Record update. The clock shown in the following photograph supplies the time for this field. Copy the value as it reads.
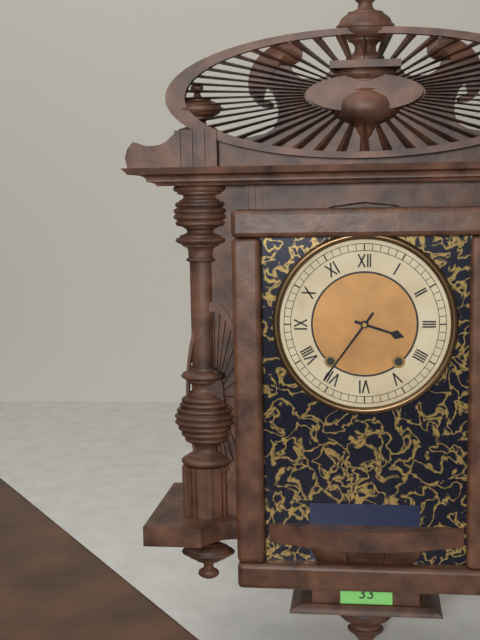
3:36
